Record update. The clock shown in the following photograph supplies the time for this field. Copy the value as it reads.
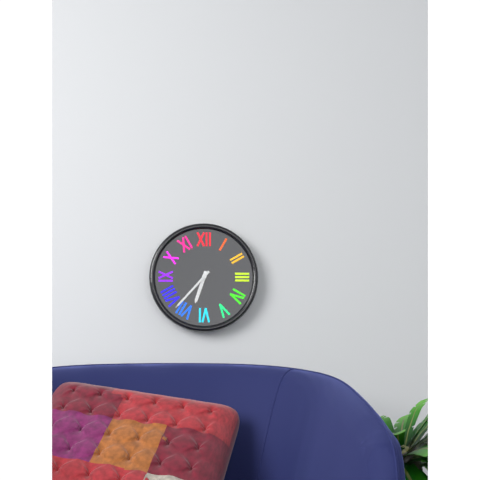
6:37
